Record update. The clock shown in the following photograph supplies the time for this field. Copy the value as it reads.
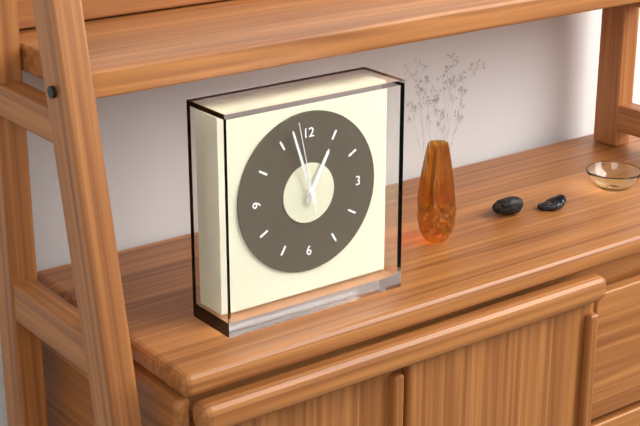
12:57:58
